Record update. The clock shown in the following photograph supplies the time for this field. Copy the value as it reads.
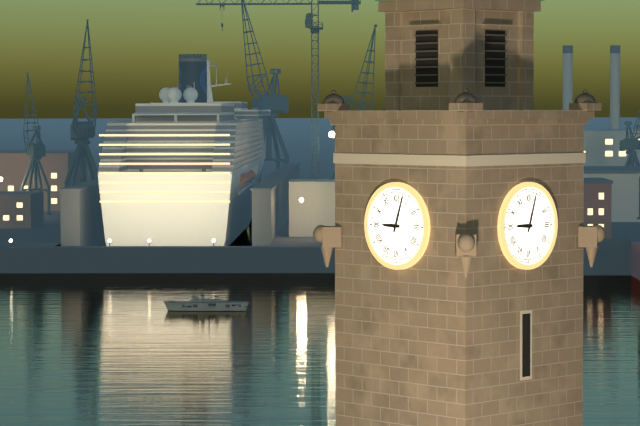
9:03
